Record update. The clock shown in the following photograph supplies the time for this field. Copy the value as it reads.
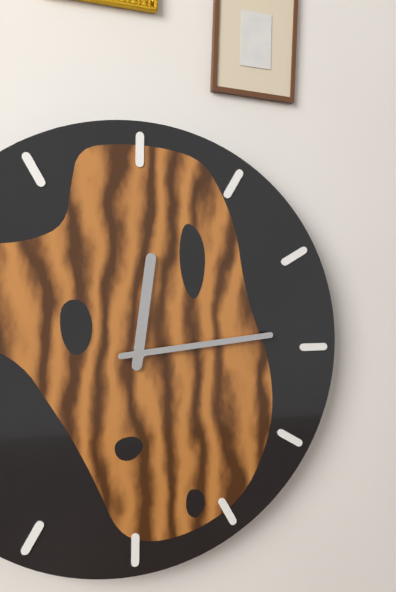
12:14
